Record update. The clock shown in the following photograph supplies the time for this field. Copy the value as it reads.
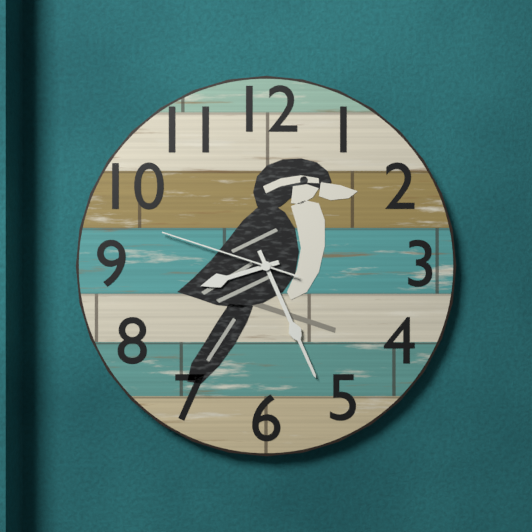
8:26:48
